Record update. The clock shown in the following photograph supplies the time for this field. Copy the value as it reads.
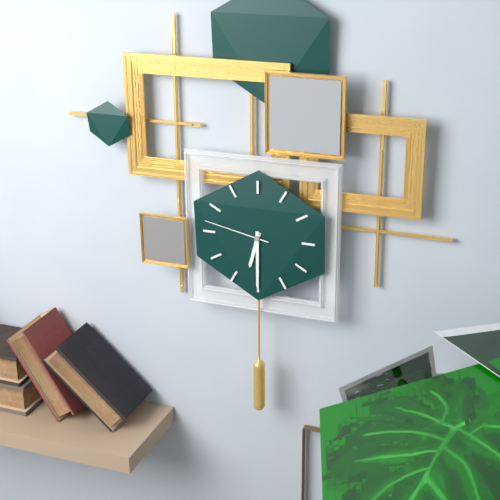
6:30:47
